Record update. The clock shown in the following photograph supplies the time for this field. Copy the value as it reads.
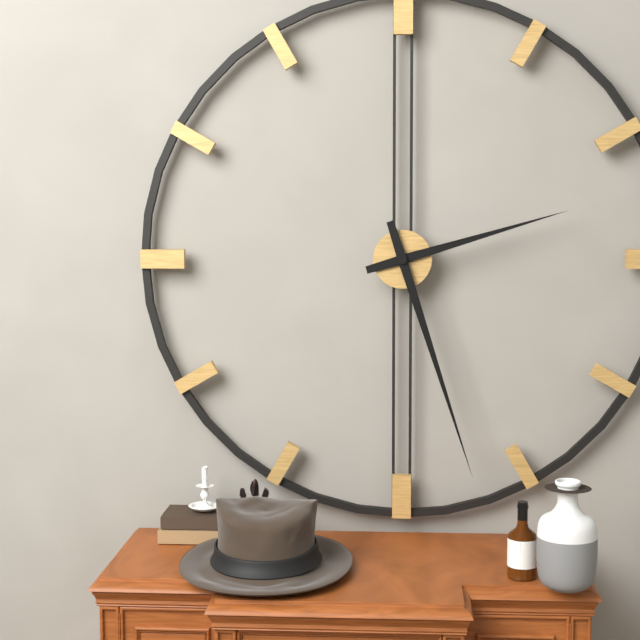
2:27
